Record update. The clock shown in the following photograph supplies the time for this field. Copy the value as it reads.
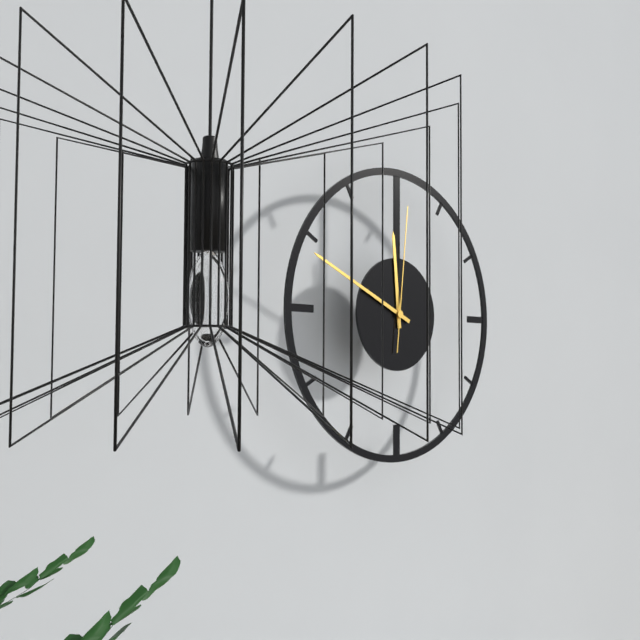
11:49:01
